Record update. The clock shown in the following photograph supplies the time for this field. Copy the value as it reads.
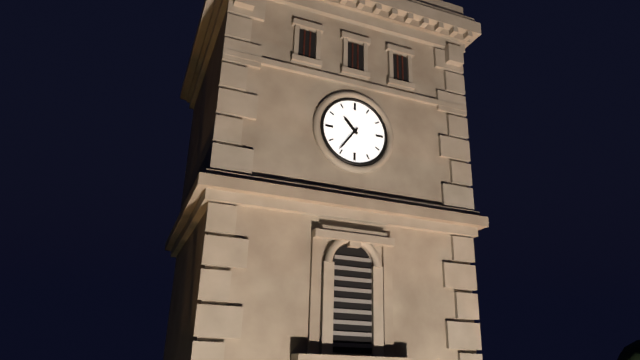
10:36
